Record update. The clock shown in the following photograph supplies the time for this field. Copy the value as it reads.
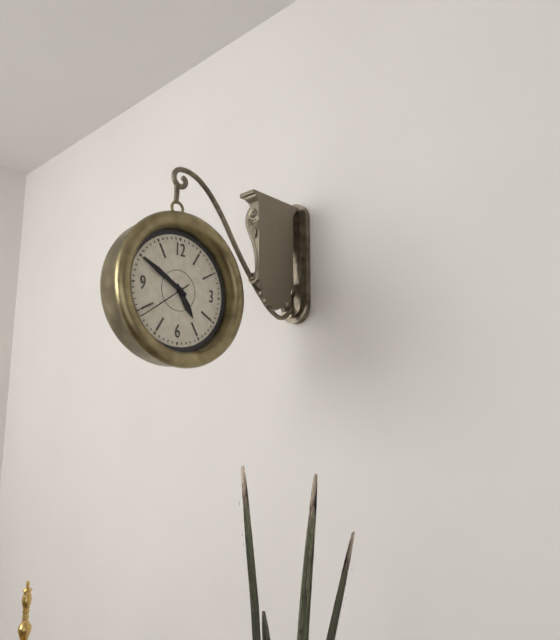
4:50:39
